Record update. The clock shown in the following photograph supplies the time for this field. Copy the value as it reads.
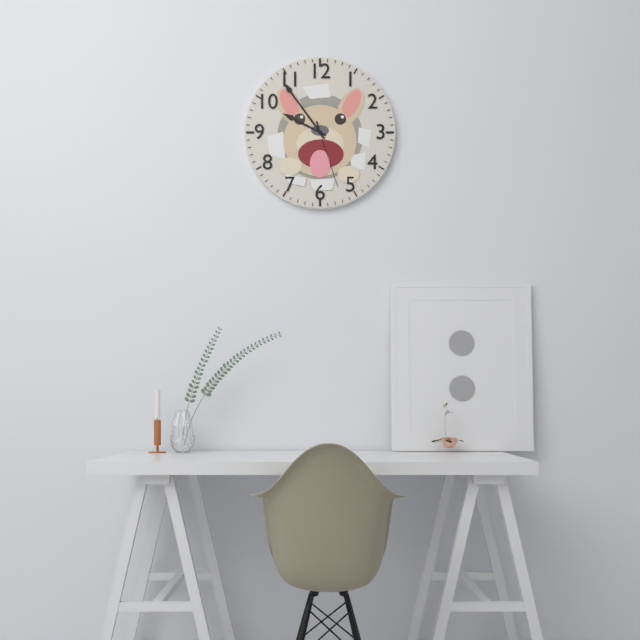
9:54:27
